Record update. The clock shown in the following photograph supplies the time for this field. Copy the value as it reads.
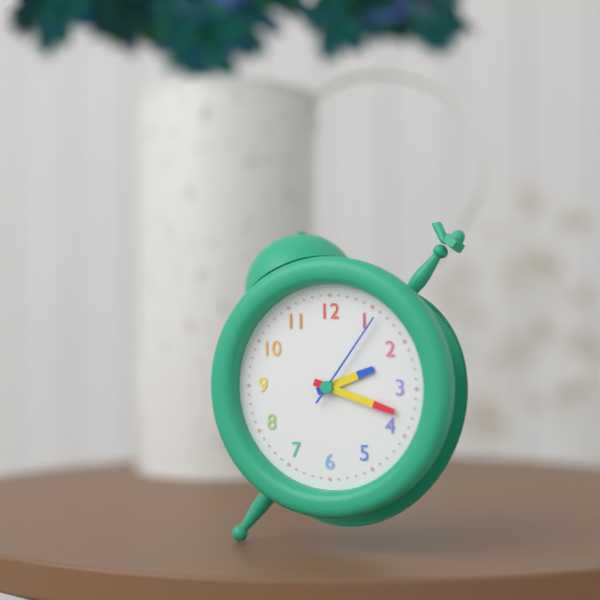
2:18:06
